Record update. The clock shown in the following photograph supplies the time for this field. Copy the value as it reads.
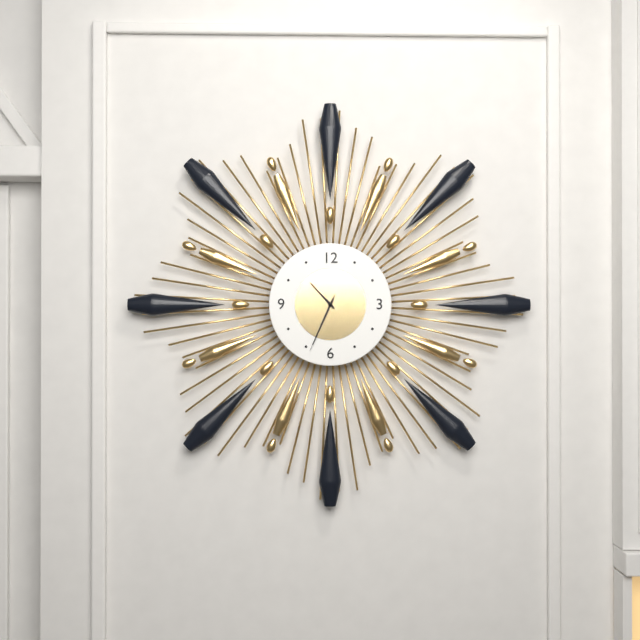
10:34:34
